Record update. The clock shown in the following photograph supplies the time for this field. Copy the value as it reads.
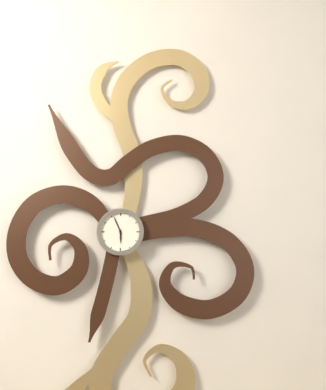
5:56
